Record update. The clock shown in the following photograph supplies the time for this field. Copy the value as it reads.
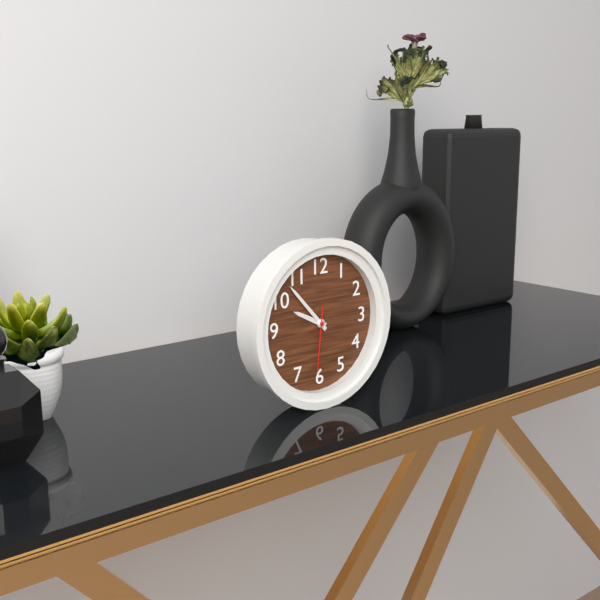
9:53:31
